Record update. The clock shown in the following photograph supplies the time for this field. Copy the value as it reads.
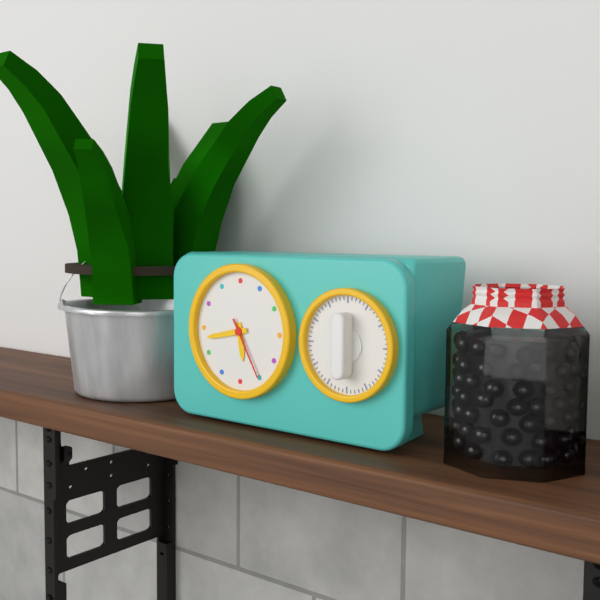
5:43:25
